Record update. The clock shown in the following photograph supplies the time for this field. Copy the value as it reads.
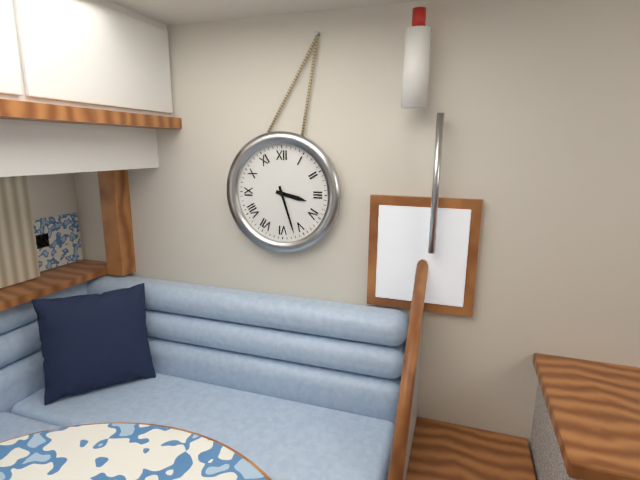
3:27
